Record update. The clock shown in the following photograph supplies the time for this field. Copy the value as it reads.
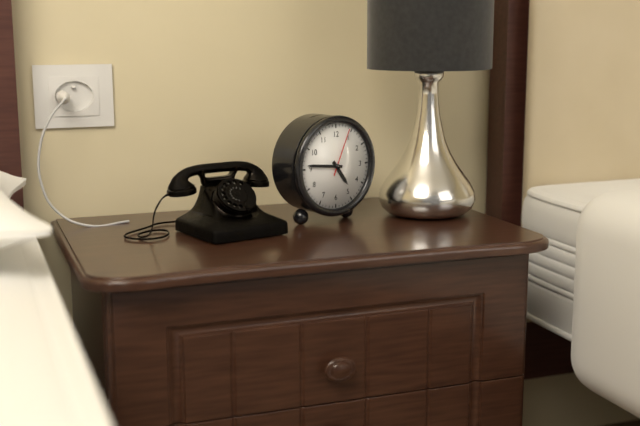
4:46
